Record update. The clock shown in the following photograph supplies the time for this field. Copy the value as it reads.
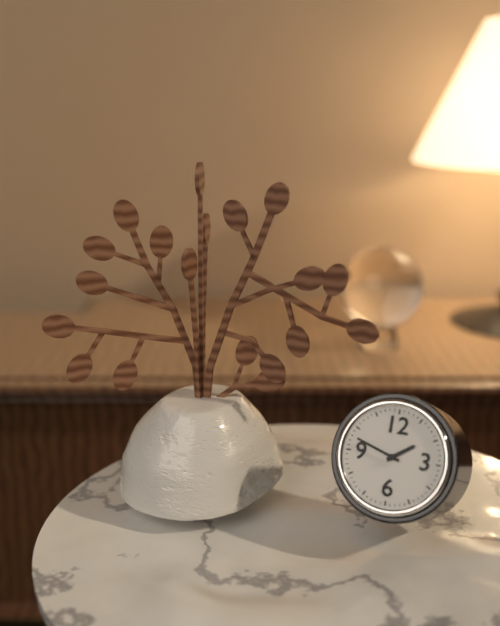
1:48
